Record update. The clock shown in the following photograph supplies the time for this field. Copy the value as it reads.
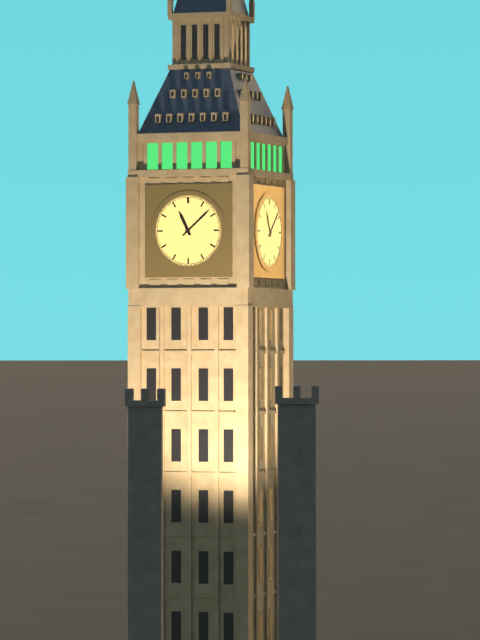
11:08
